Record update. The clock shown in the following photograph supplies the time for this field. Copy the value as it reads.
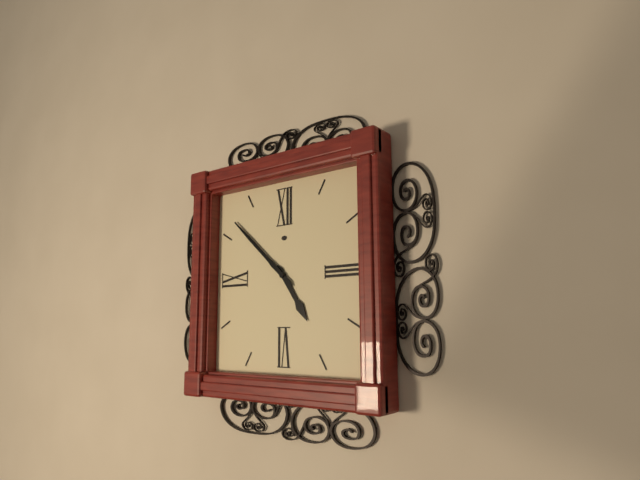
4:52
